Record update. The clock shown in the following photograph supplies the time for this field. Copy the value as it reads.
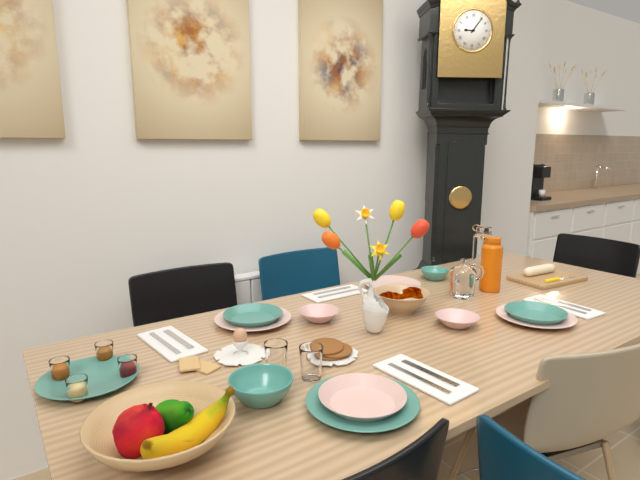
9:06
